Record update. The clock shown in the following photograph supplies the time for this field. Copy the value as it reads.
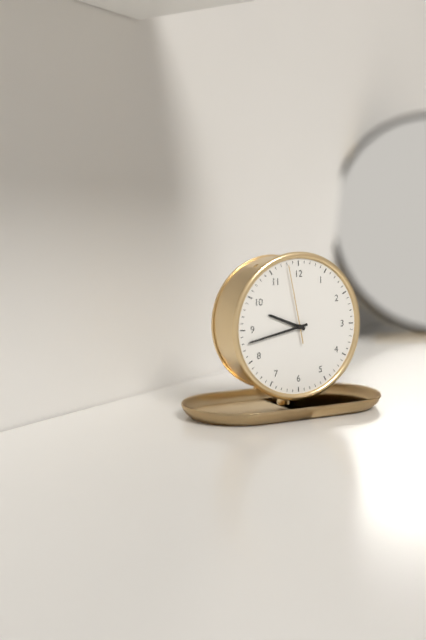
9:43:58
